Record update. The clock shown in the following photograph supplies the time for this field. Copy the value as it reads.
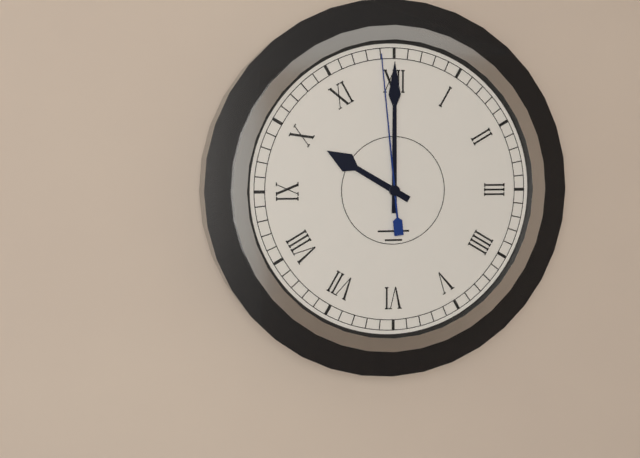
10:00:59
